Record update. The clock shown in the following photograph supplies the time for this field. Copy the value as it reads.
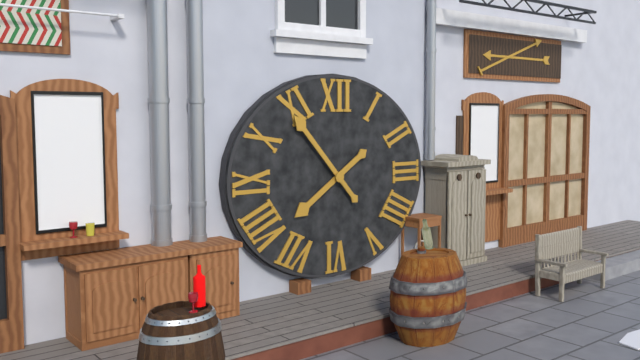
7:53
